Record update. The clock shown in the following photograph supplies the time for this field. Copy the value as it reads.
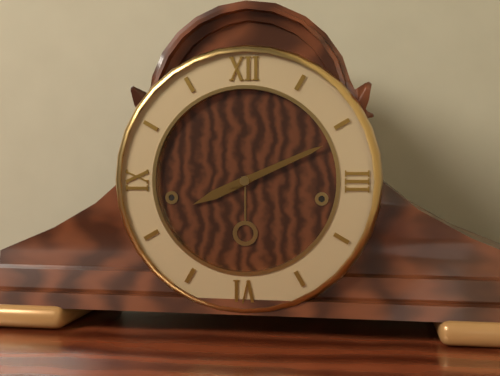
8:11
